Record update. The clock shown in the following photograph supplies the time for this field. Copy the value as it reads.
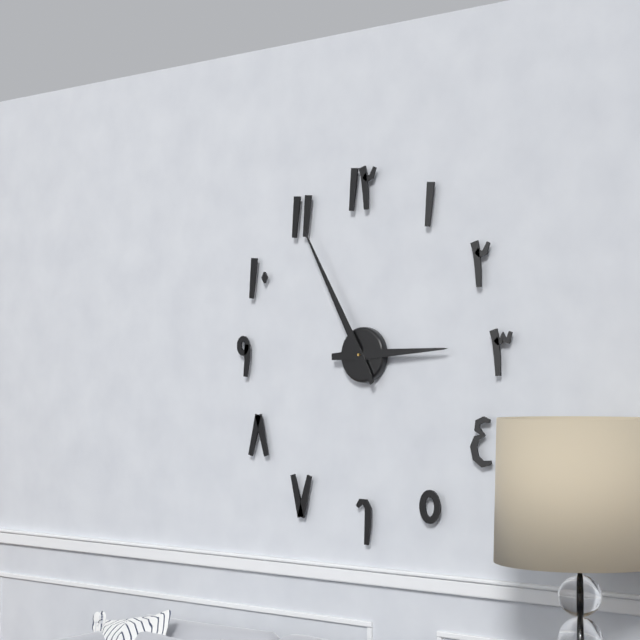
2:55
